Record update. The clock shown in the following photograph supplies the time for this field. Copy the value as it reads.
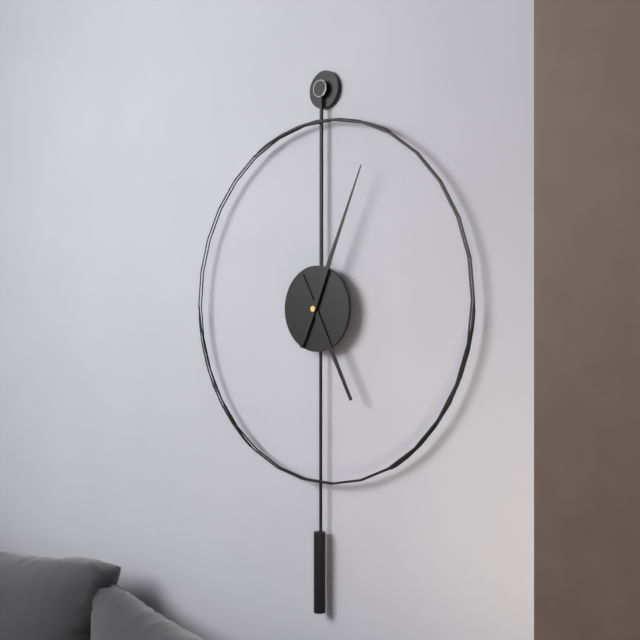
5:04
